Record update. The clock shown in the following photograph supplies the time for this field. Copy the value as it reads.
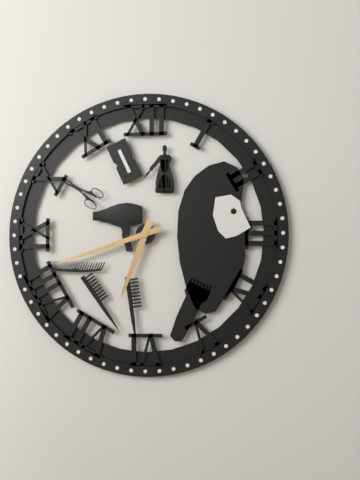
6:42
